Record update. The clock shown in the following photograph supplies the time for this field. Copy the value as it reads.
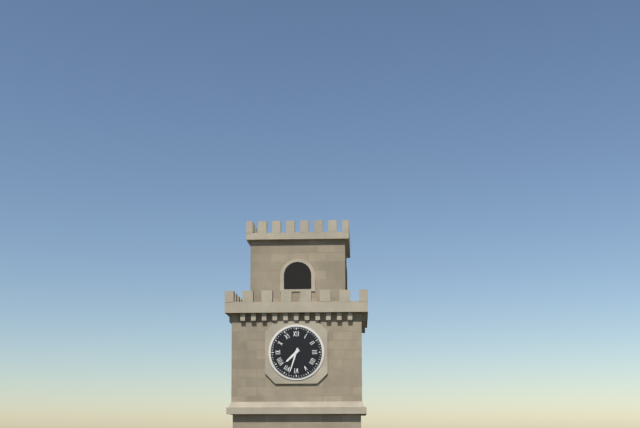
7:33
